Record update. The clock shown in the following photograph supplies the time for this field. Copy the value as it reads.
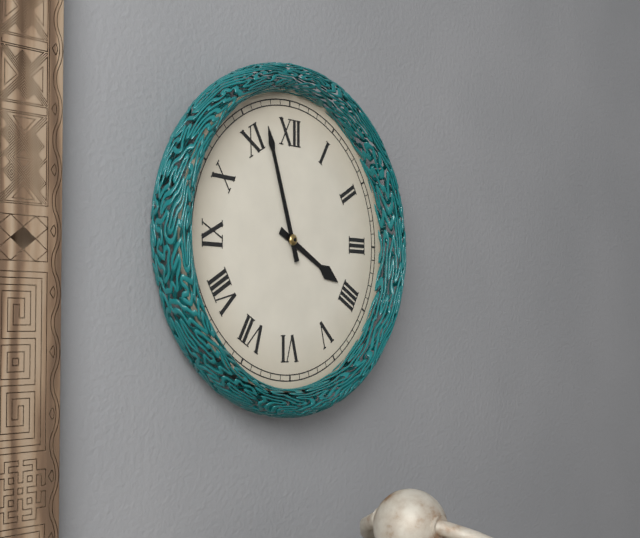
3:57
